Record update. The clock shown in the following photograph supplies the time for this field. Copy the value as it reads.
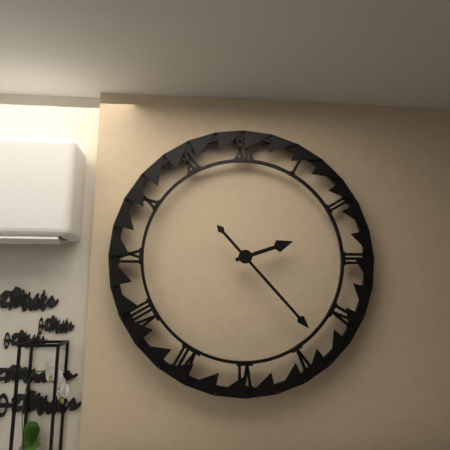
2:23
